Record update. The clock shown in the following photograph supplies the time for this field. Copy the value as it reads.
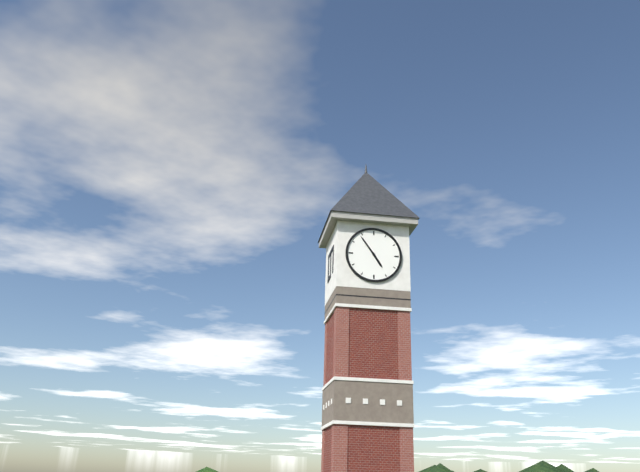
4:54
